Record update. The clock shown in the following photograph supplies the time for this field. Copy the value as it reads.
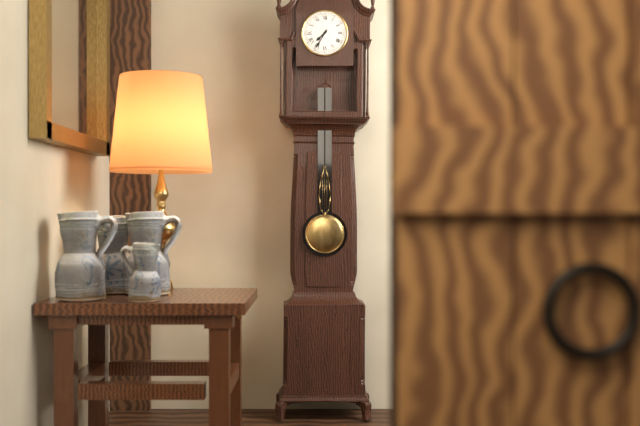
7:35
